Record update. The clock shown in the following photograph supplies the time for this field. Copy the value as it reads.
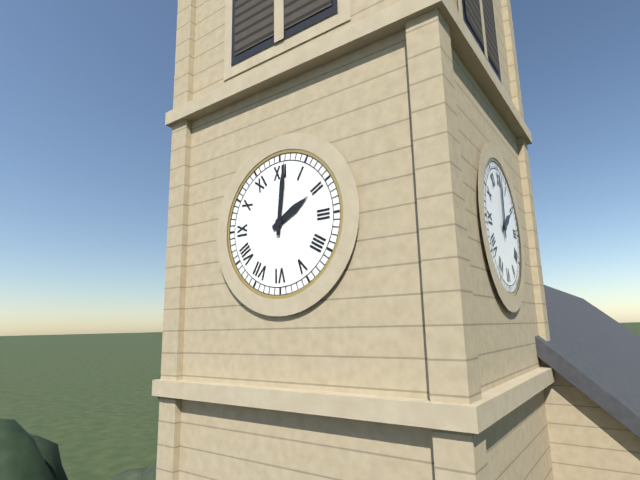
2:01
